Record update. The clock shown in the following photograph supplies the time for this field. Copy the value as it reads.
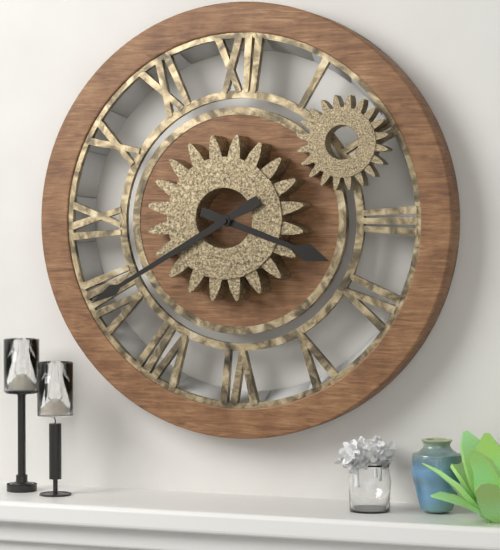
3:40
